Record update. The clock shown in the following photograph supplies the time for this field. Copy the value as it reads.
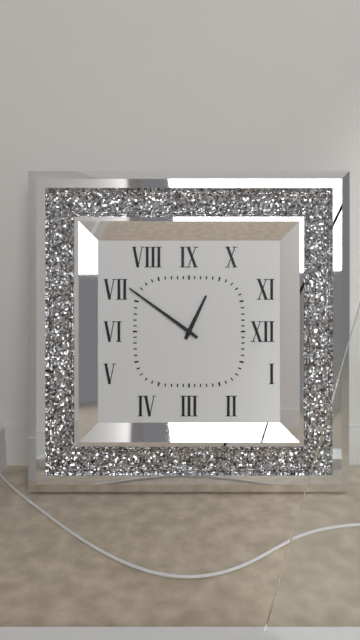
12:51
